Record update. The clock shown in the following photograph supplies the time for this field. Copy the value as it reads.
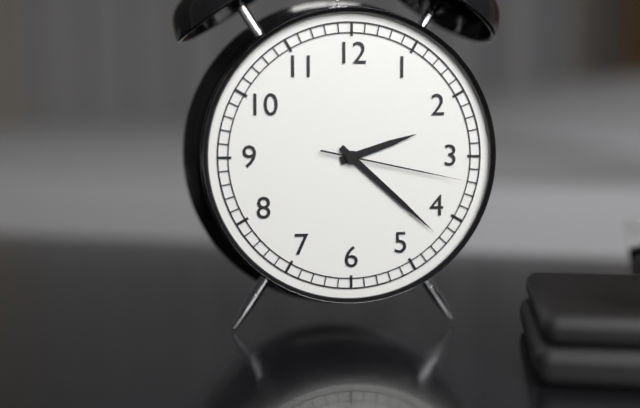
2:22:17
